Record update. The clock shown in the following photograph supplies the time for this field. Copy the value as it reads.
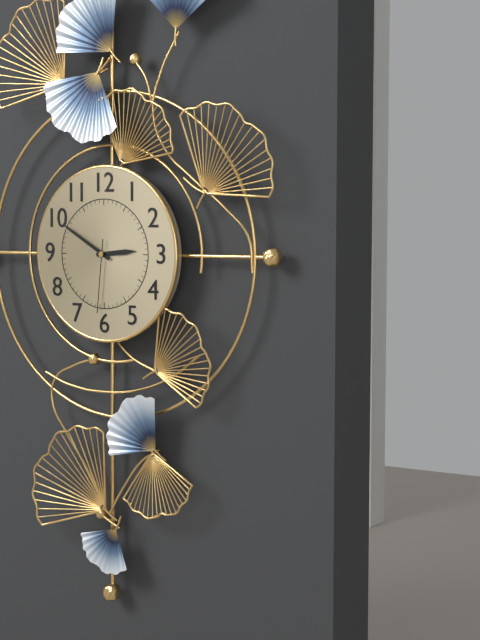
2:50:31
